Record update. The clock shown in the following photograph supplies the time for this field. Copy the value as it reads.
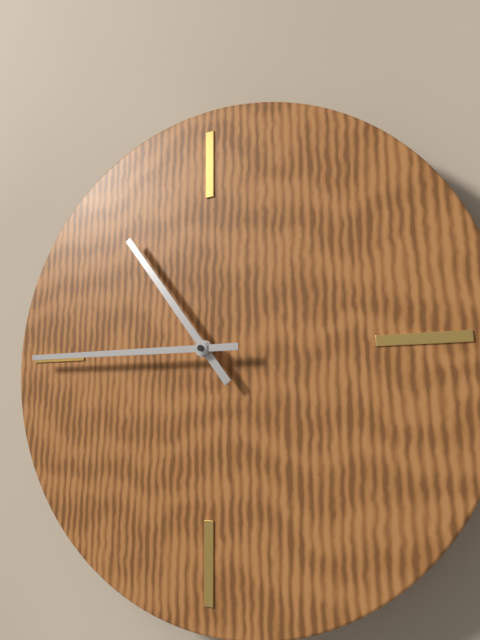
10:45
